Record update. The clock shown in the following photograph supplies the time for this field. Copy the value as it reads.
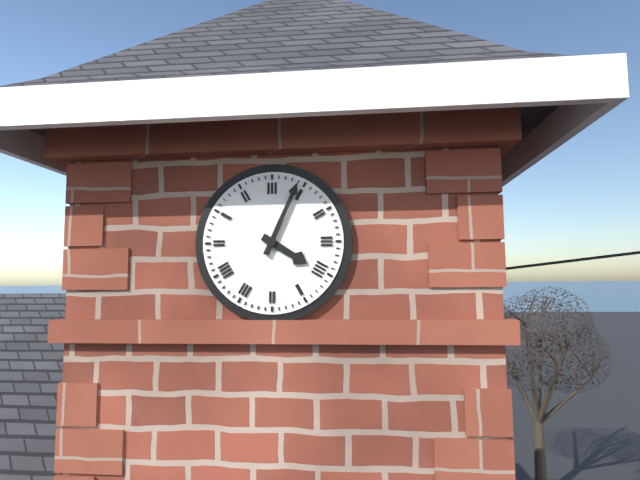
4:04
